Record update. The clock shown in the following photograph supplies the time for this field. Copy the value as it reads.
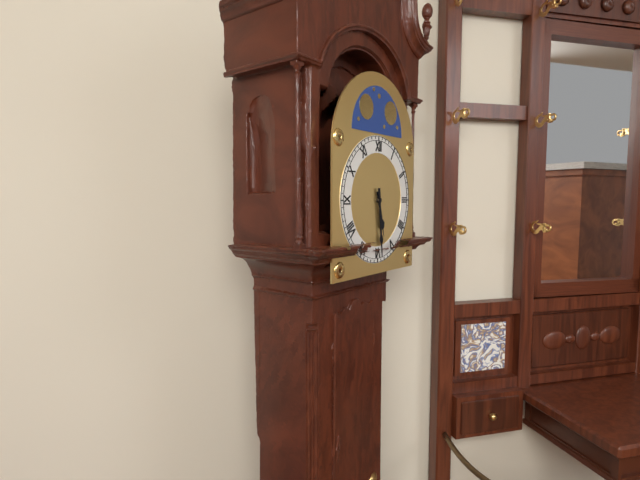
5:29
